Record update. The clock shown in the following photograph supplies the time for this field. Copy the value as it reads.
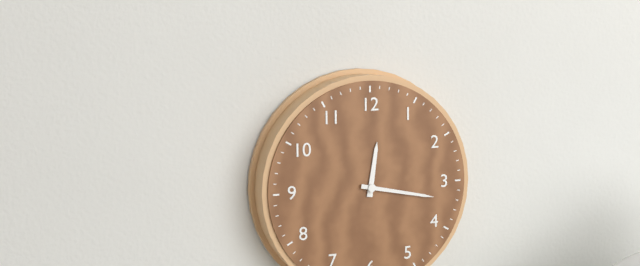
12:17
